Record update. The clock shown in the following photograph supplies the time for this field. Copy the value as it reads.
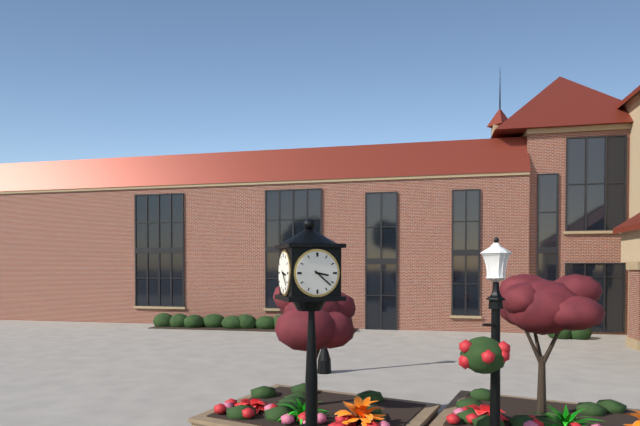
3:22
